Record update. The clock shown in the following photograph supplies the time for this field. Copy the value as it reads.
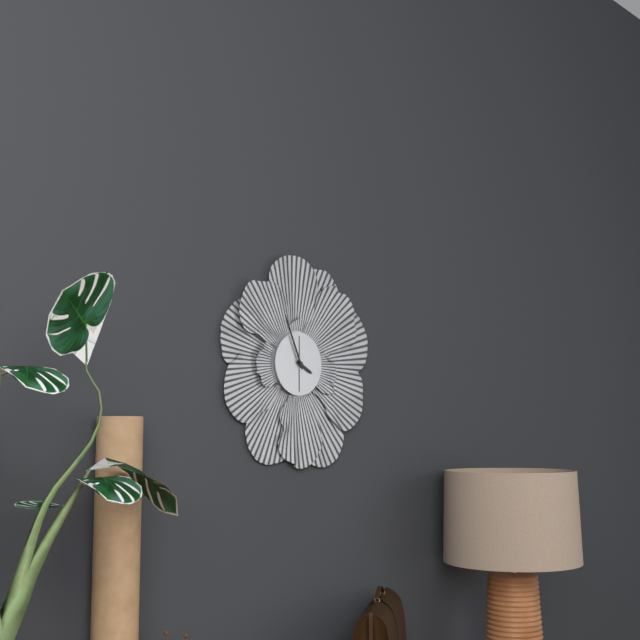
3:56
